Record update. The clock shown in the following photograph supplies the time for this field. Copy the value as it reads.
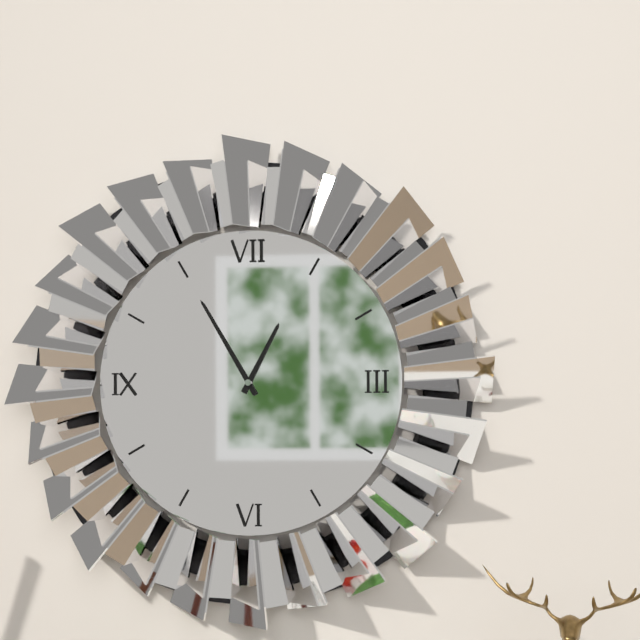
12:55
